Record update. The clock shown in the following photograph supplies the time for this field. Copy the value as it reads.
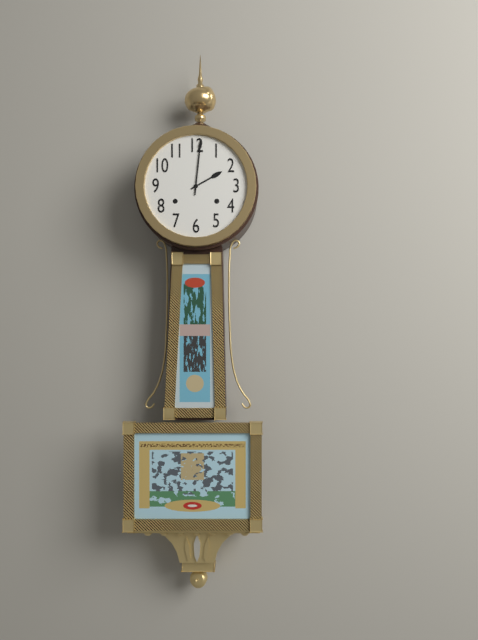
2:01
